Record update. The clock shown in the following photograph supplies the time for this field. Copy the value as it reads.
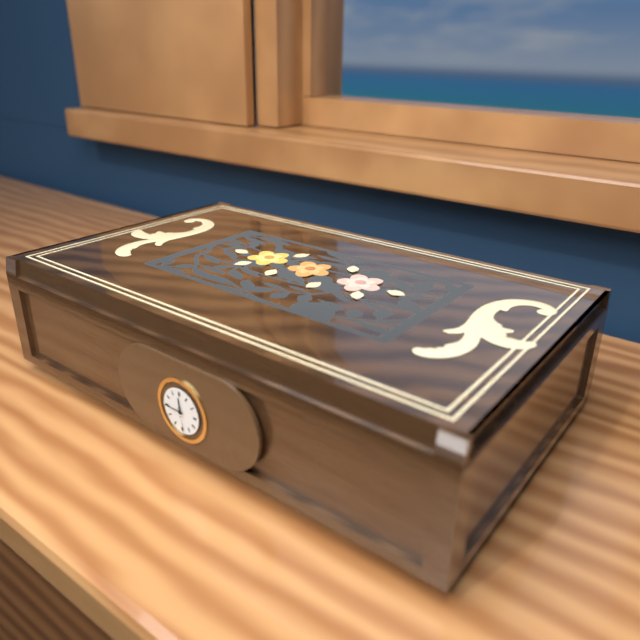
11:45:28
